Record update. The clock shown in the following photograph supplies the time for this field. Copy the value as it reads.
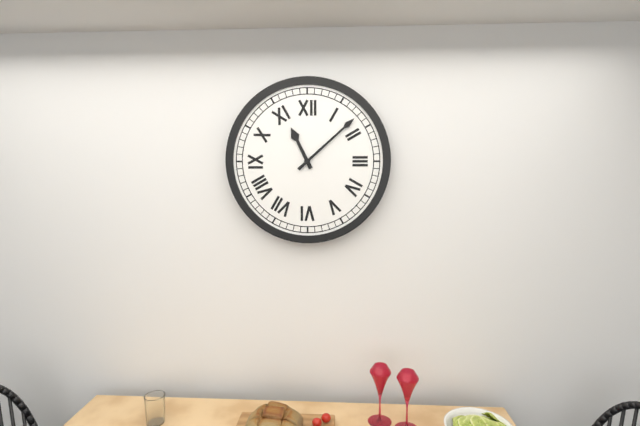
11:08
